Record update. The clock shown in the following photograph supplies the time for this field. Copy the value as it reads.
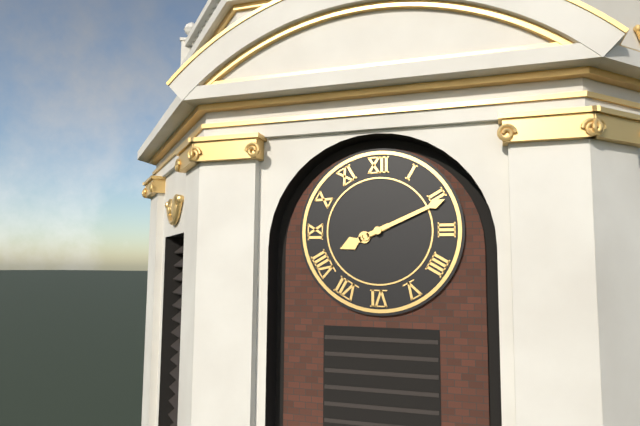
8:11
